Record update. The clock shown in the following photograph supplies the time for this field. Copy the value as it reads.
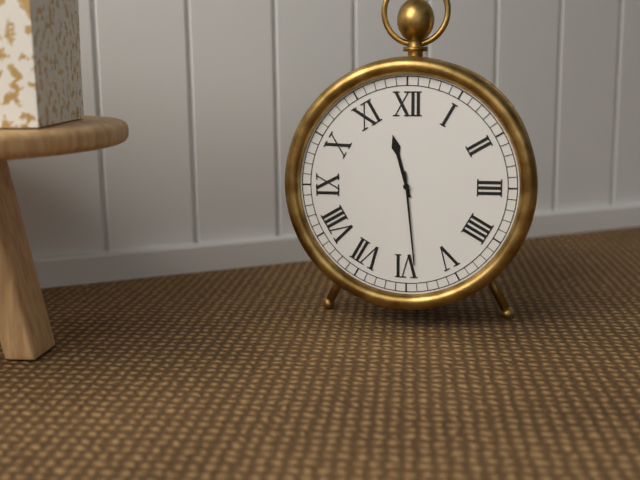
11:29
